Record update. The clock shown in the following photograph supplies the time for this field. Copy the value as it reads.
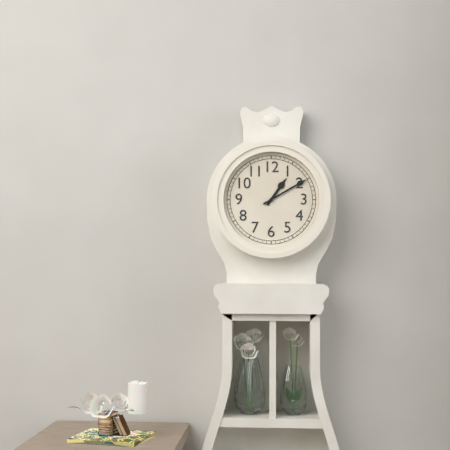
1:10
